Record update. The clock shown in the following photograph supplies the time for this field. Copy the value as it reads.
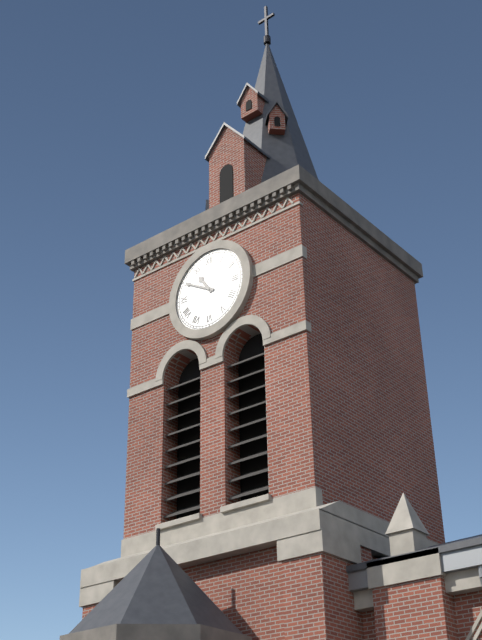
10:50
